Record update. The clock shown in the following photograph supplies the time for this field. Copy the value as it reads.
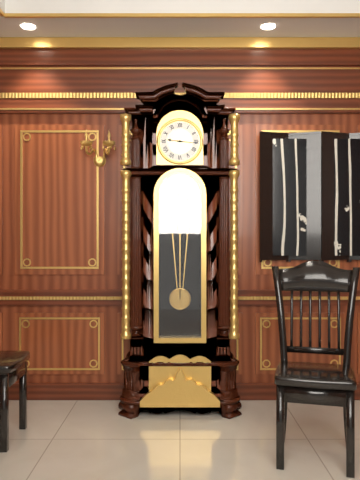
9:16
